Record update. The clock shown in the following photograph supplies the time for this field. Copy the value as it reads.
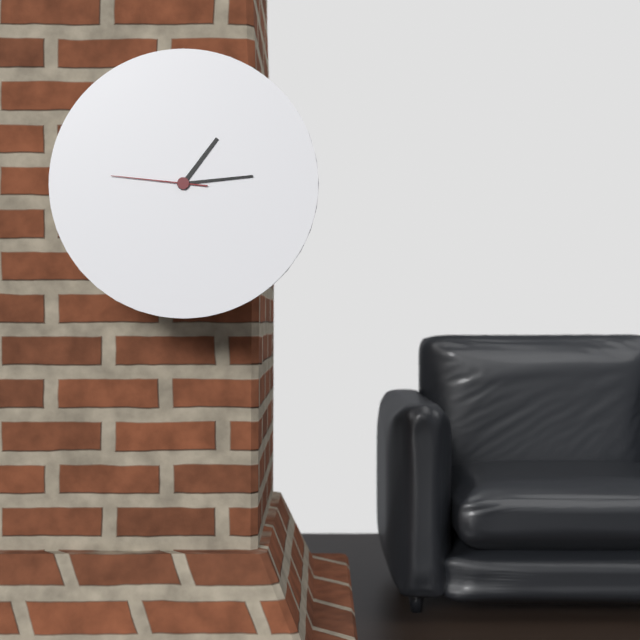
1:14:46
